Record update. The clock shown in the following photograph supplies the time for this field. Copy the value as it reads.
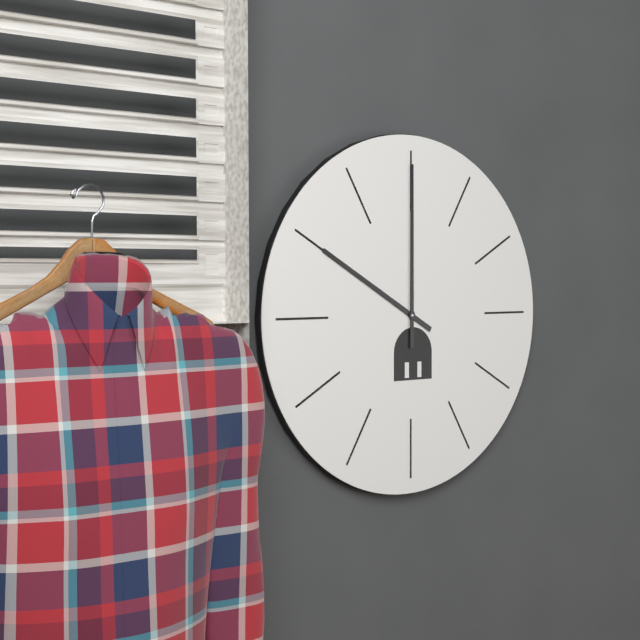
10:00
